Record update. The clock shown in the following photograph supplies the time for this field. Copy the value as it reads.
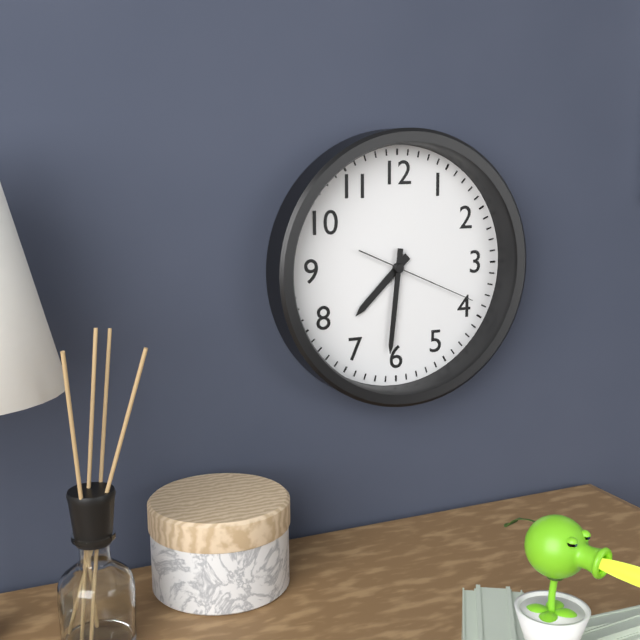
7:31:19
